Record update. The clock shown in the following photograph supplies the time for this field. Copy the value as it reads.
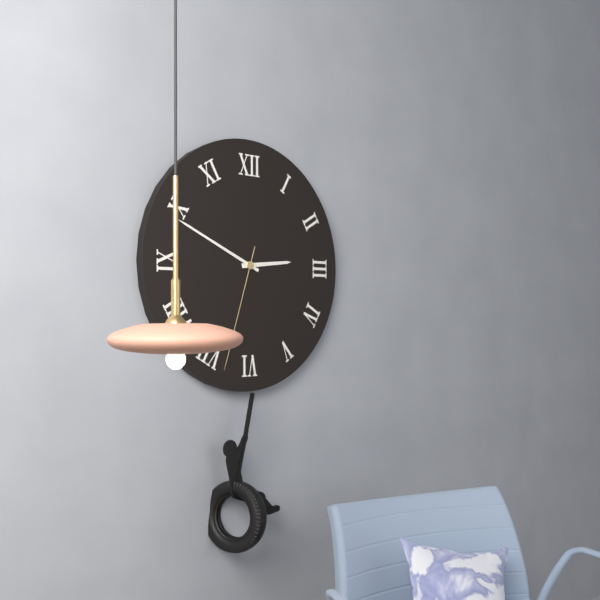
2:49:33
